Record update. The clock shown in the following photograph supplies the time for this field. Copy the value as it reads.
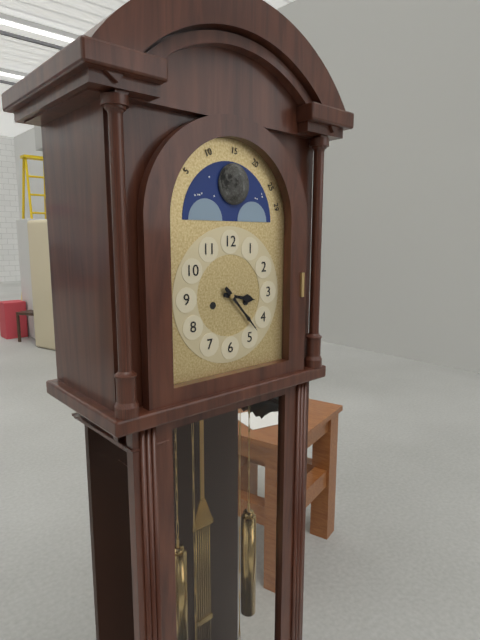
3:23
